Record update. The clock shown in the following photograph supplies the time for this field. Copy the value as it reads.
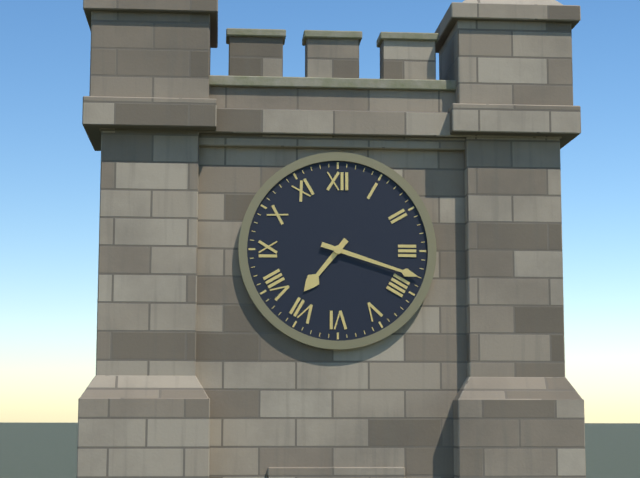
7:18
